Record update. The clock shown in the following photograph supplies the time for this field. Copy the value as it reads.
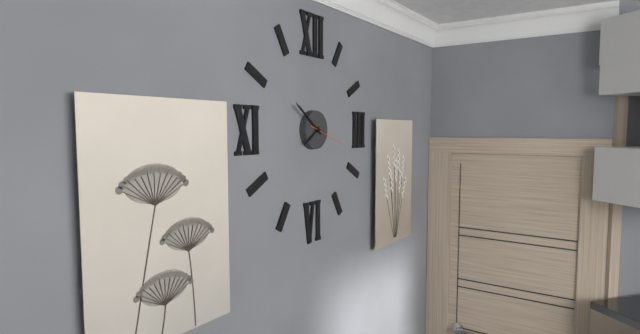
7:51
